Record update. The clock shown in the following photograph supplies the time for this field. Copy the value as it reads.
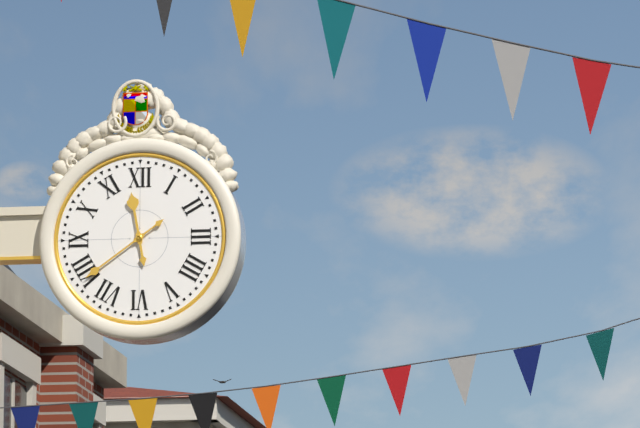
11:39
